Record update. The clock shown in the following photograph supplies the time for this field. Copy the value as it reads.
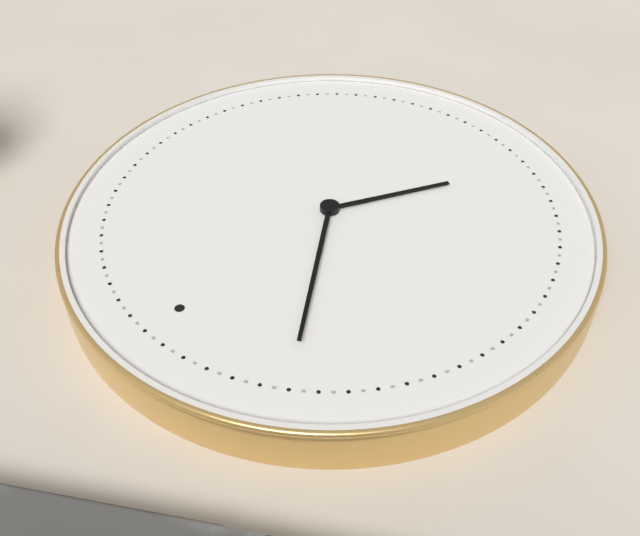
6:54
